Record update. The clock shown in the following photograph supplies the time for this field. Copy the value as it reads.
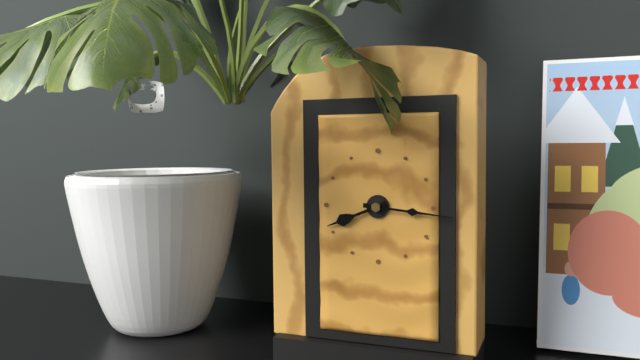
8:16
